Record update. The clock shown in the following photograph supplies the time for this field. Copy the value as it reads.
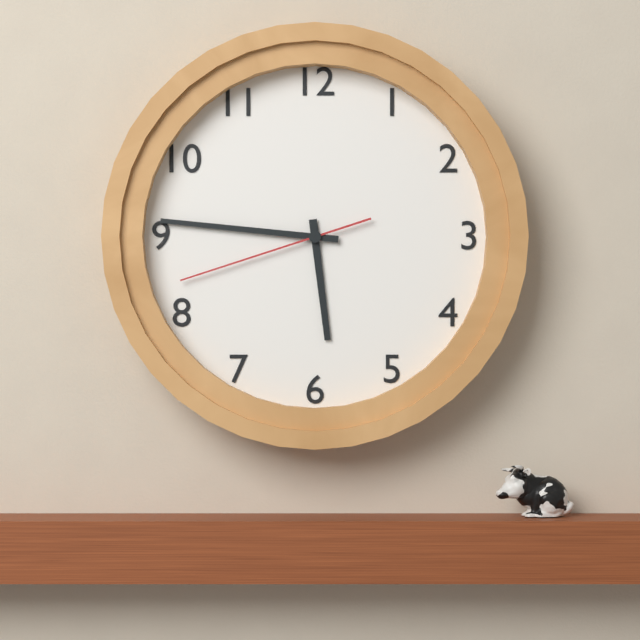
5:46:42
